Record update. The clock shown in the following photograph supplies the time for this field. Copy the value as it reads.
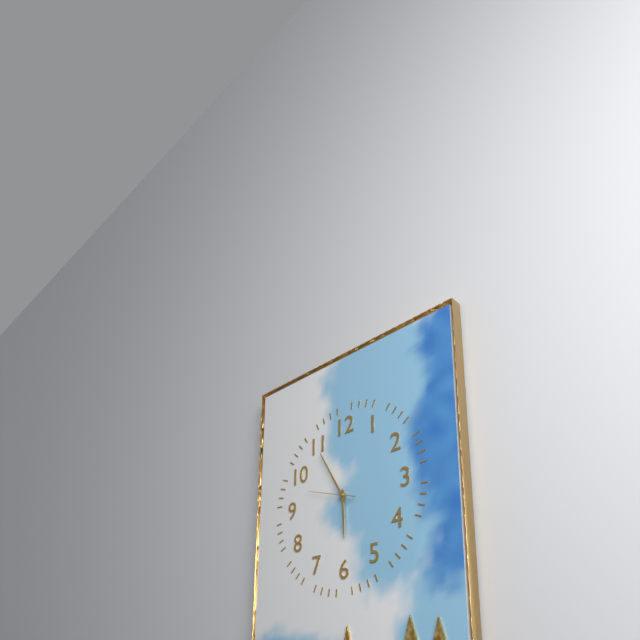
5:55
